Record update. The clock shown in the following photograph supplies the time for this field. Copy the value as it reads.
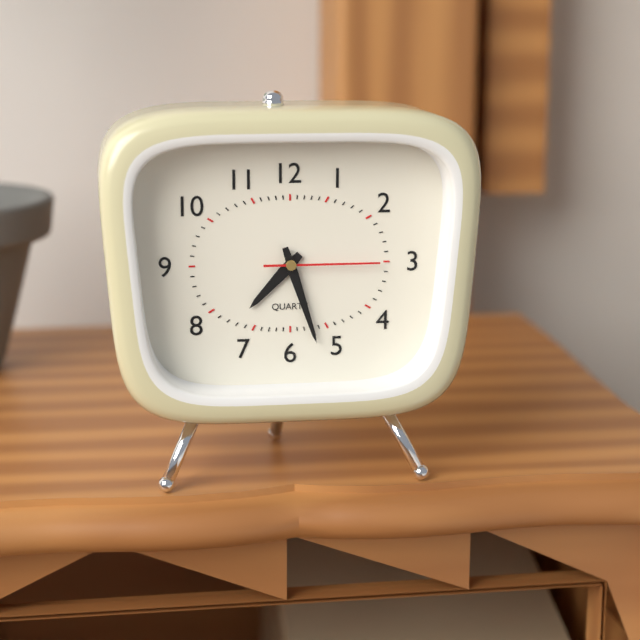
7:27:15
